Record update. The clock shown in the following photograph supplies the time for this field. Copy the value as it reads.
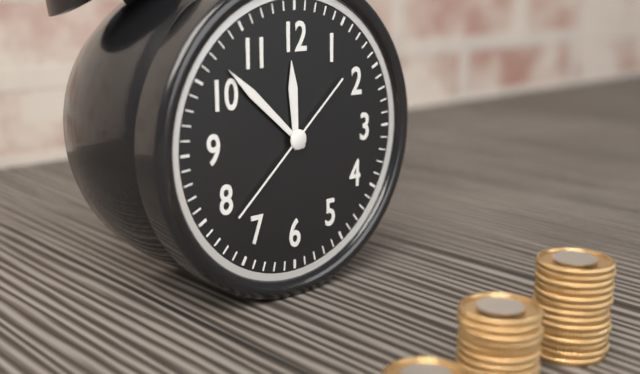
11:52:38
